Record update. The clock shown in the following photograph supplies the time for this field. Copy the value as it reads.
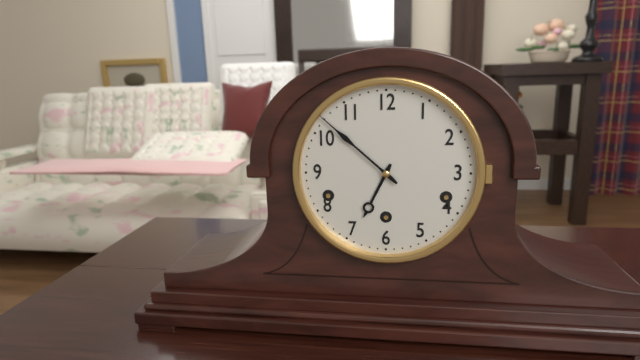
6:52
